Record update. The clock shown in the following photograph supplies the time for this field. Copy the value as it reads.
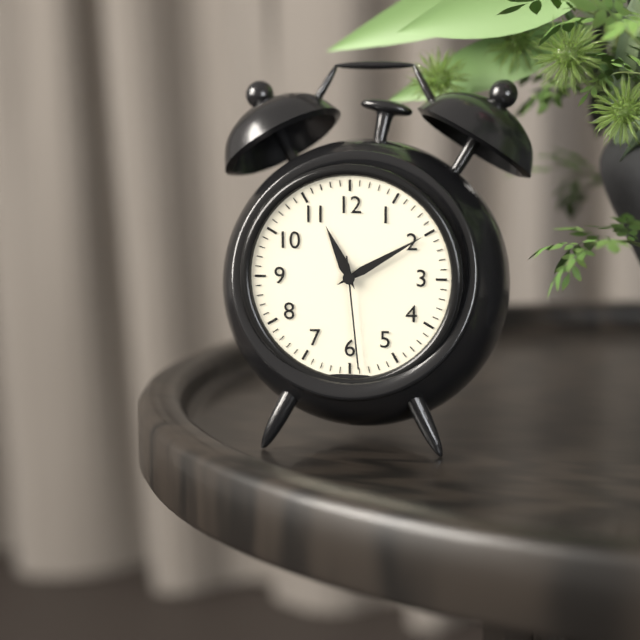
11:10:29
